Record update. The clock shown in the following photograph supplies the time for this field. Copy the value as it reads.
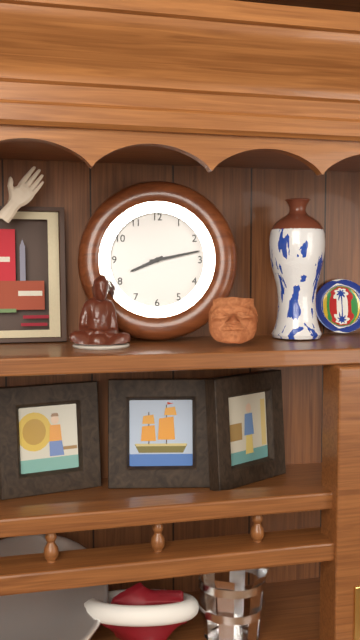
8:13
